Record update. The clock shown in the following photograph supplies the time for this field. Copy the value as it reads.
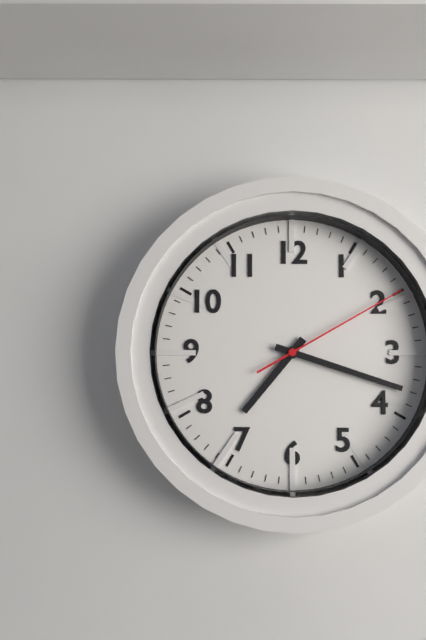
7:18:10
